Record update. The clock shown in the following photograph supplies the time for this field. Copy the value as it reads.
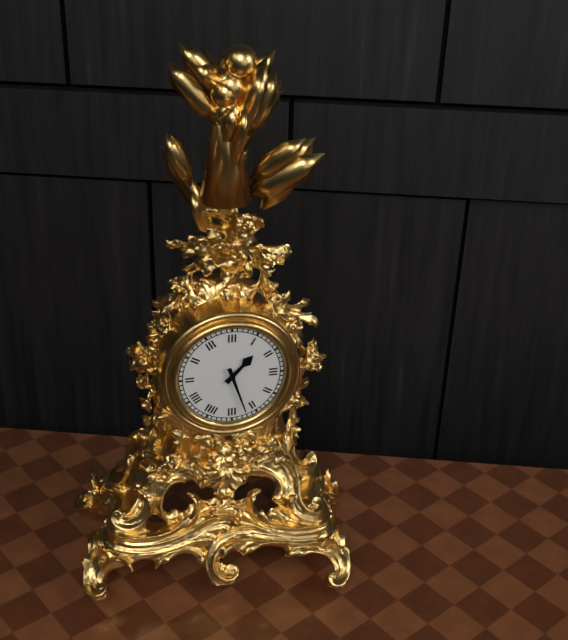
1:27
